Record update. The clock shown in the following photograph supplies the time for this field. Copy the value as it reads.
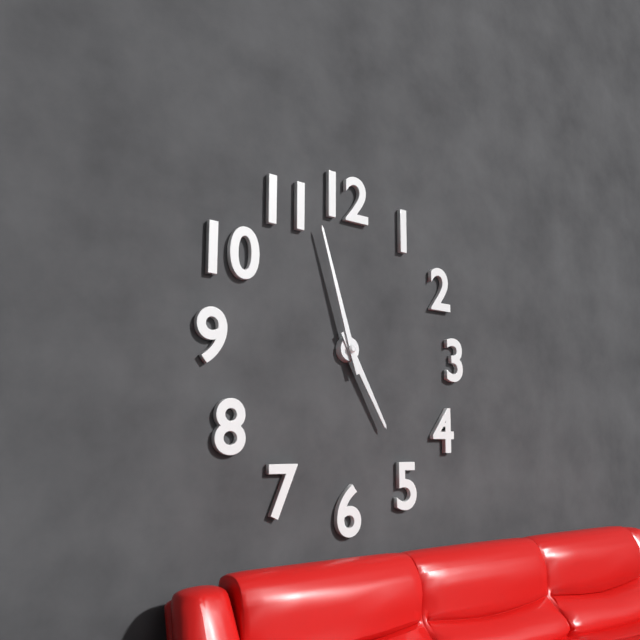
4:57
